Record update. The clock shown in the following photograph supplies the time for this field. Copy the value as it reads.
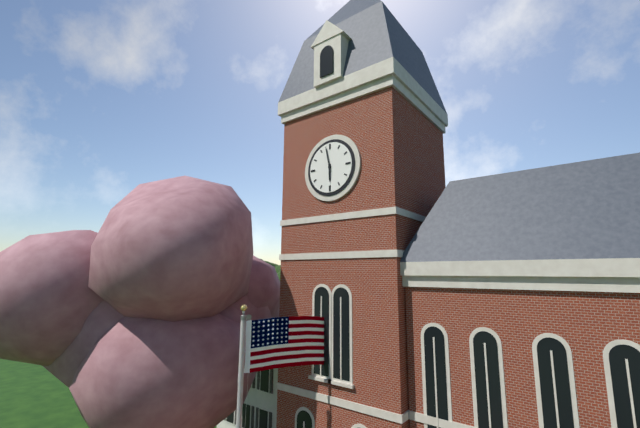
5:58
